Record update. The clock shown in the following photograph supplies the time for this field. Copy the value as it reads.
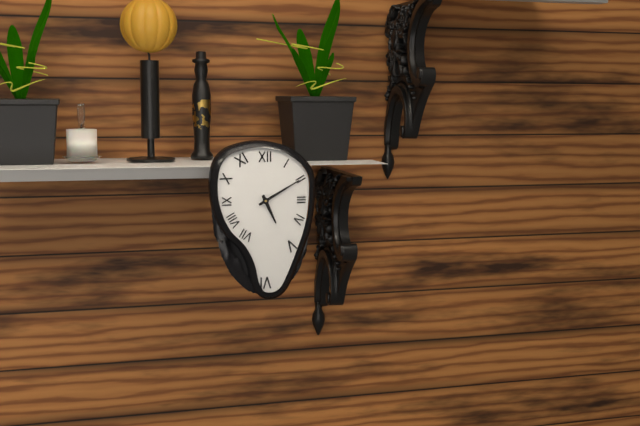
5:10
